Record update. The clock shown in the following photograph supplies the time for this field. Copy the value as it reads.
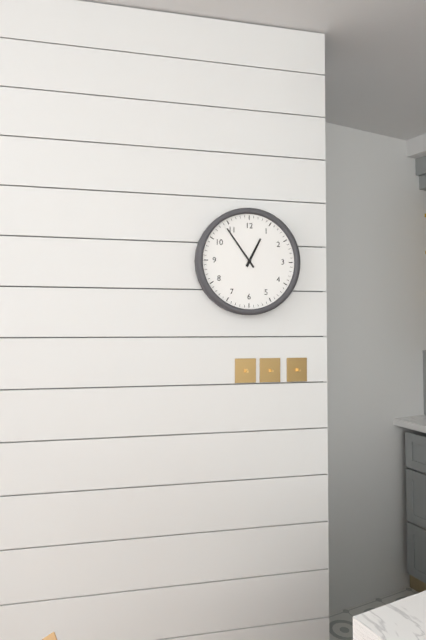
12:54
